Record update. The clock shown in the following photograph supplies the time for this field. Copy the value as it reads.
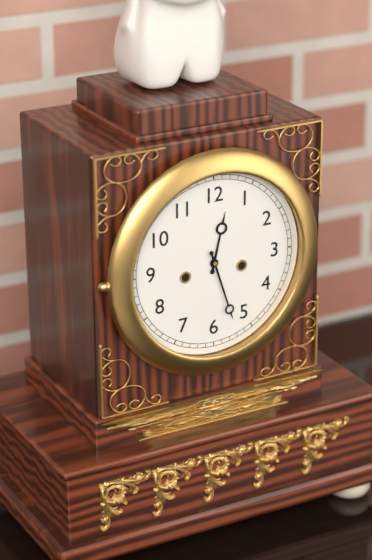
12:27
